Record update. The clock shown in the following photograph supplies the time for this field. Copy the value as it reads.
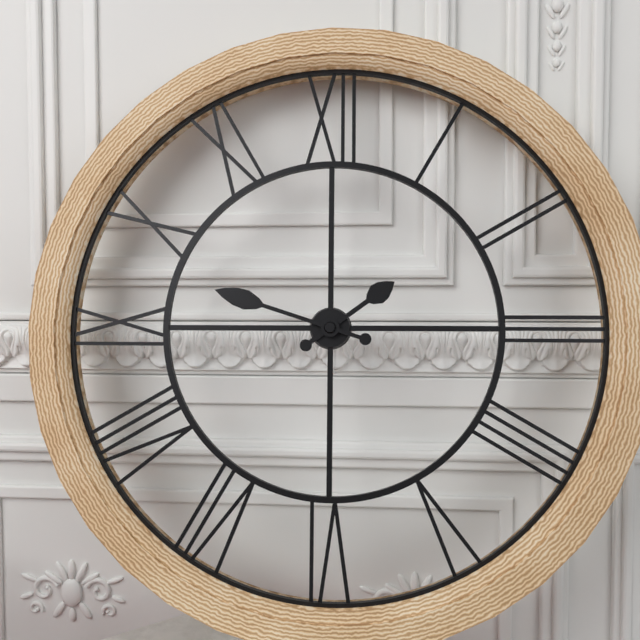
1:48
